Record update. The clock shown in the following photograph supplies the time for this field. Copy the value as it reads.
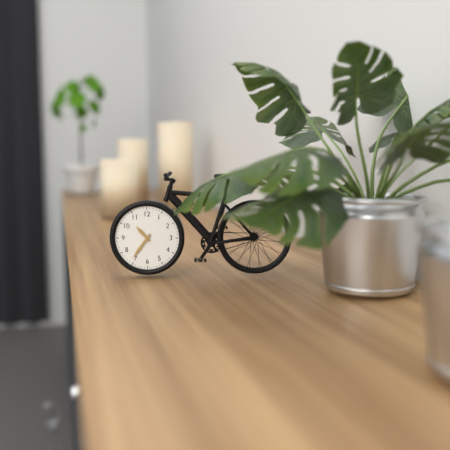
10:36
